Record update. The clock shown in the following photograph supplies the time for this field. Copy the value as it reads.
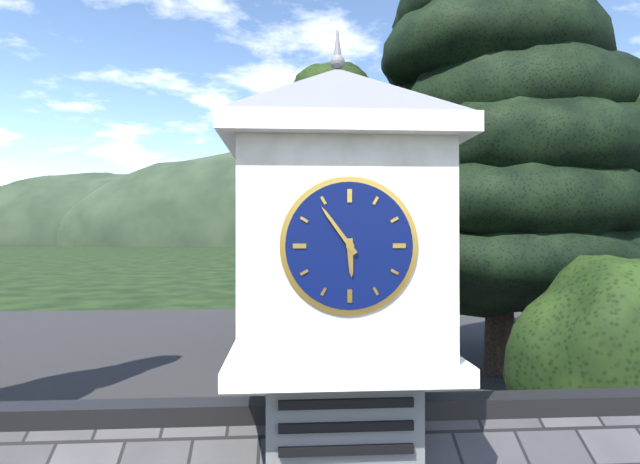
5:54
